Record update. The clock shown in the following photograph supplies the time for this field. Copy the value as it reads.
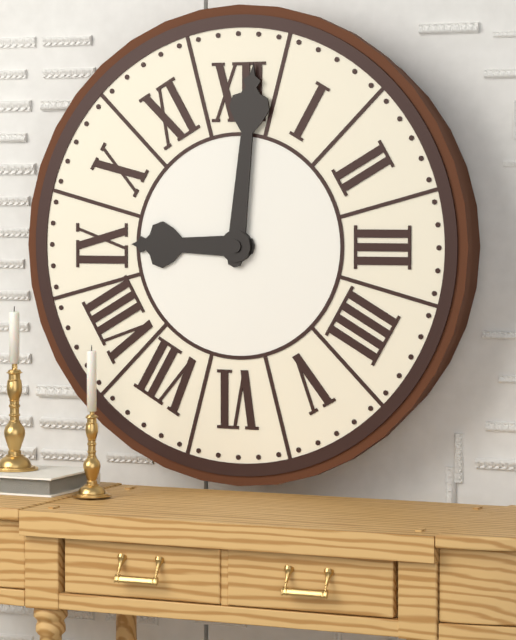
9:01
